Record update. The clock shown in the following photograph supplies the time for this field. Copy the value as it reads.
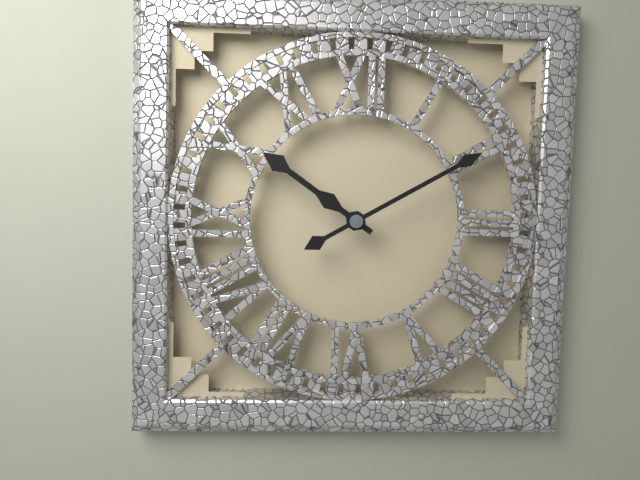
10:10
